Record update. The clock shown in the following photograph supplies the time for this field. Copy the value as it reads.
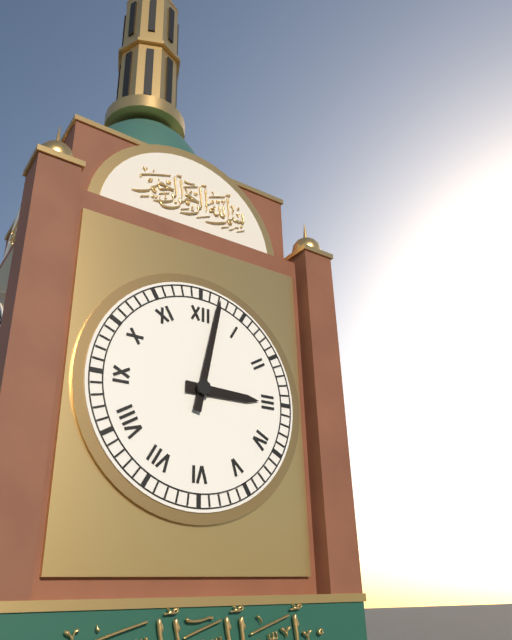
3:02
